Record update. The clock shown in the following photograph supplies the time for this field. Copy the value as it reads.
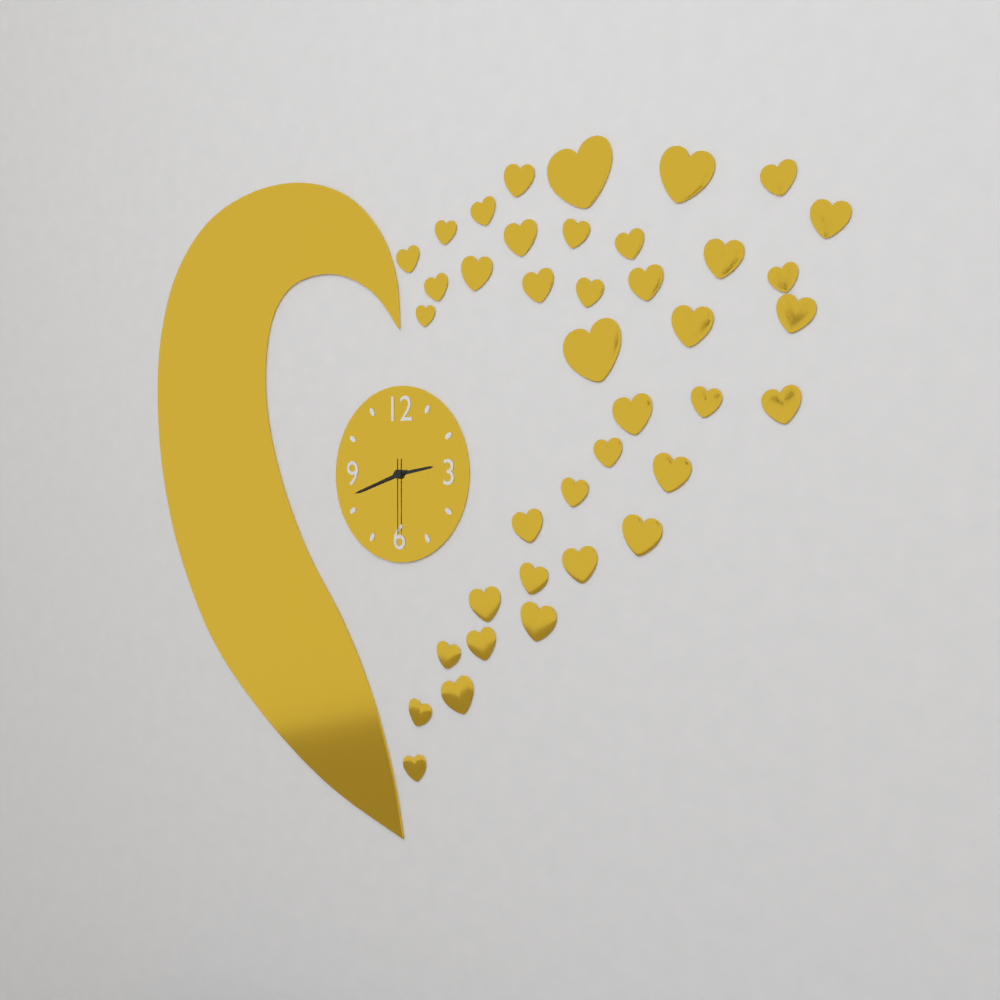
2:42:30
